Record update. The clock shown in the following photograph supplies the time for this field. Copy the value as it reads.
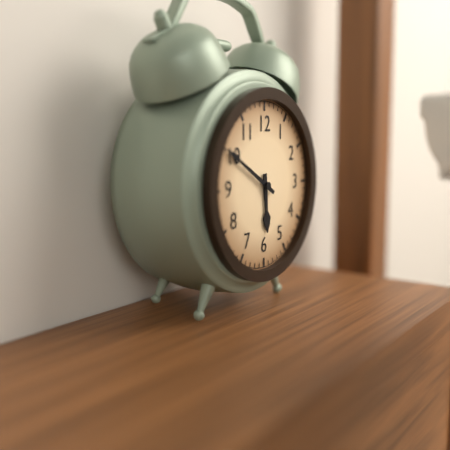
5:50
